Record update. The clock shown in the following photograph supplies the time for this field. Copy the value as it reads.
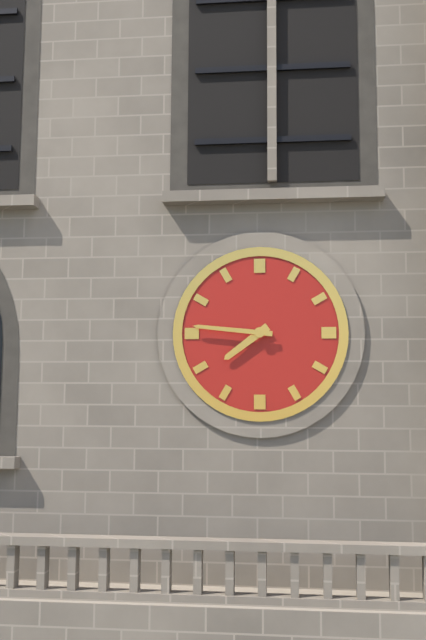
7:46
